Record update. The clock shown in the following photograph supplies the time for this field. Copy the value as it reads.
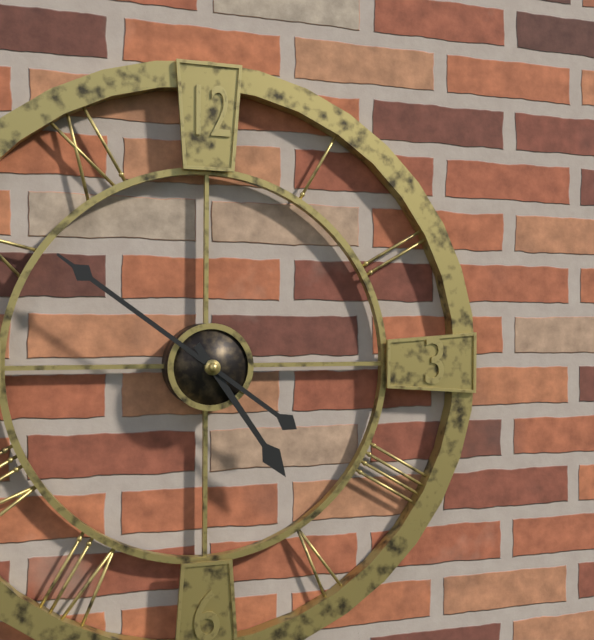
4:51
